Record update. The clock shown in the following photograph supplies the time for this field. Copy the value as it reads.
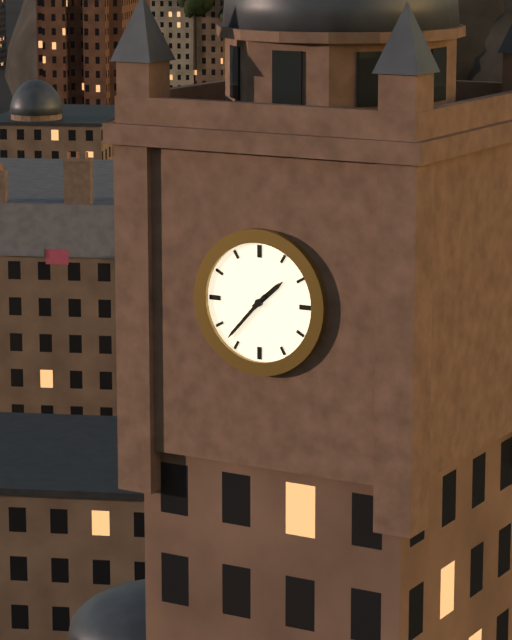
1:37
